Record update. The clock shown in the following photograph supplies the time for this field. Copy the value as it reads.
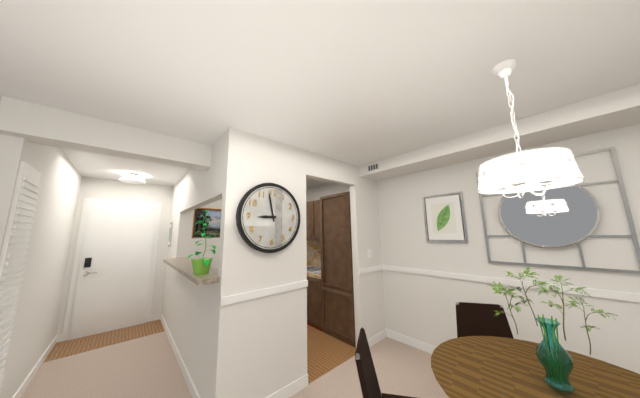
8:58
